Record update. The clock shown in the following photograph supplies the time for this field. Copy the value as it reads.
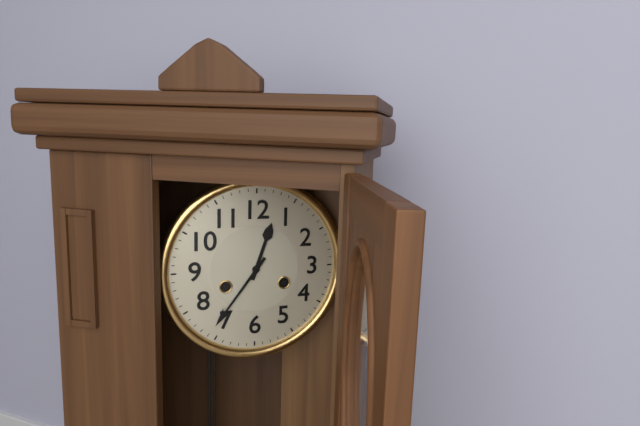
12:36
